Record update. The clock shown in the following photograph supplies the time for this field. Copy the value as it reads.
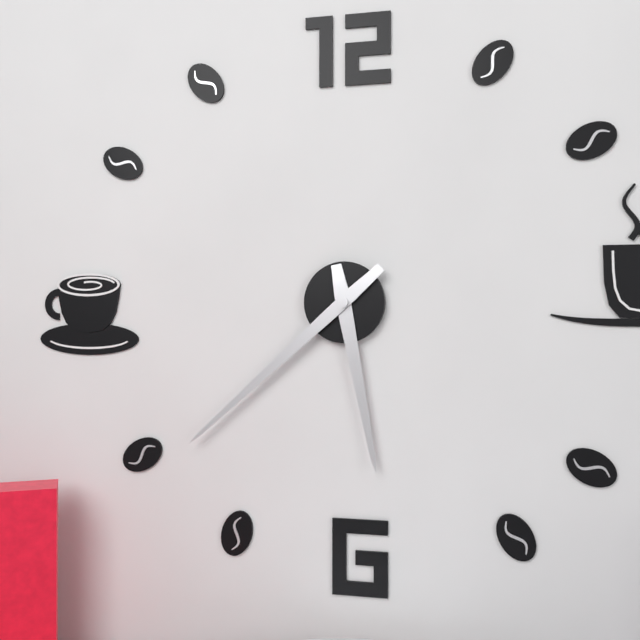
5:38
